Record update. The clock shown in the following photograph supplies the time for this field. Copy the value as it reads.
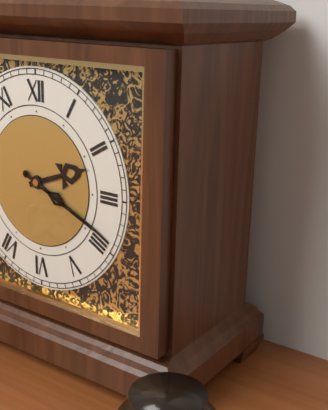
2:19
